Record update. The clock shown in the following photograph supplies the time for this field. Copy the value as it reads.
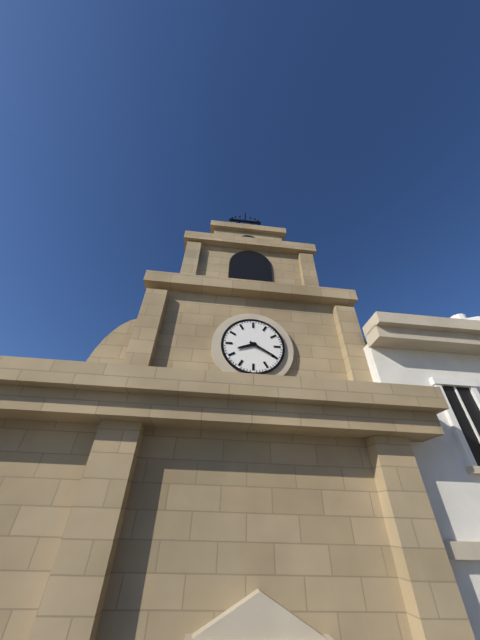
8:20
